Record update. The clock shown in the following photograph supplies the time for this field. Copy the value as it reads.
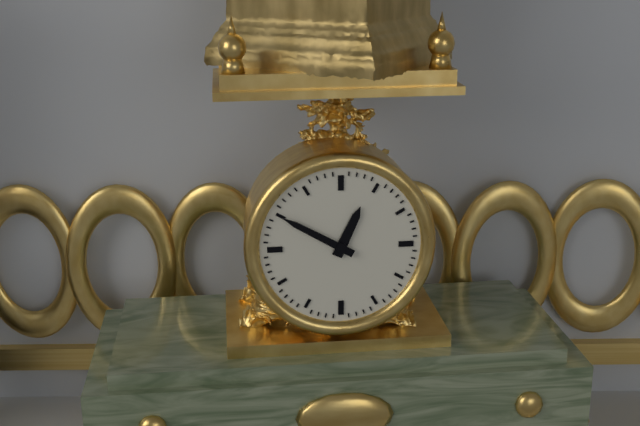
12:50
